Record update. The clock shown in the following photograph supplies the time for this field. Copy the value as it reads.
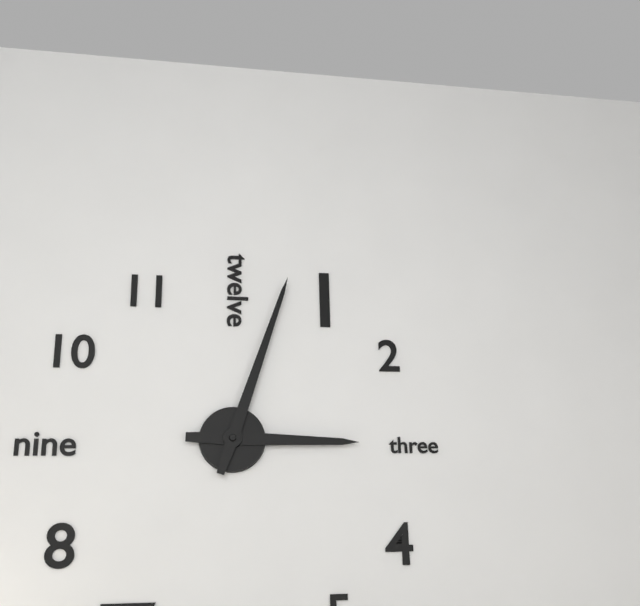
3:03
